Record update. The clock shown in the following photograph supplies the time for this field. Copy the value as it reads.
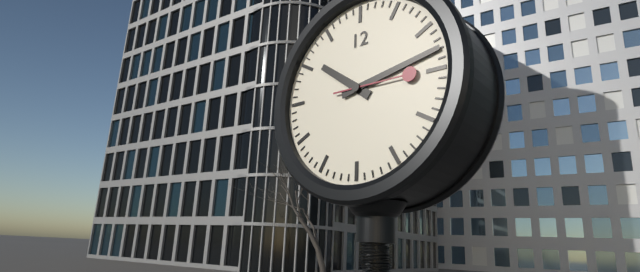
10:13:15
